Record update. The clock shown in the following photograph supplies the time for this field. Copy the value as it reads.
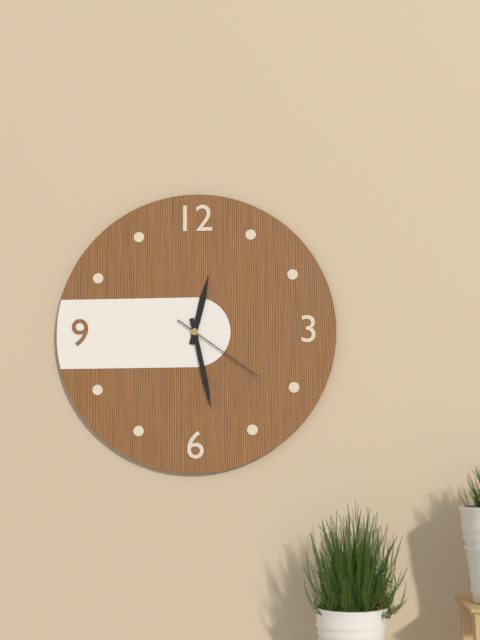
12:28:21
